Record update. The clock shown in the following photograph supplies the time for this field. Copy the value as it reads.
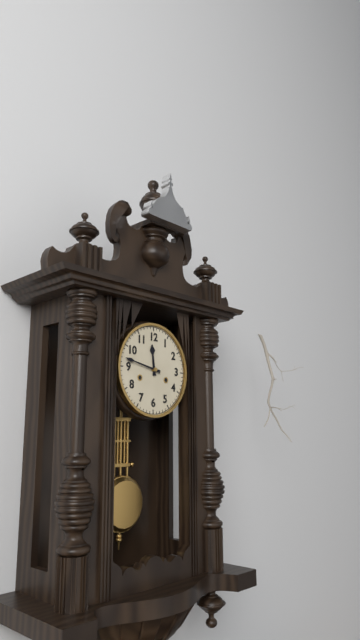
11:47
